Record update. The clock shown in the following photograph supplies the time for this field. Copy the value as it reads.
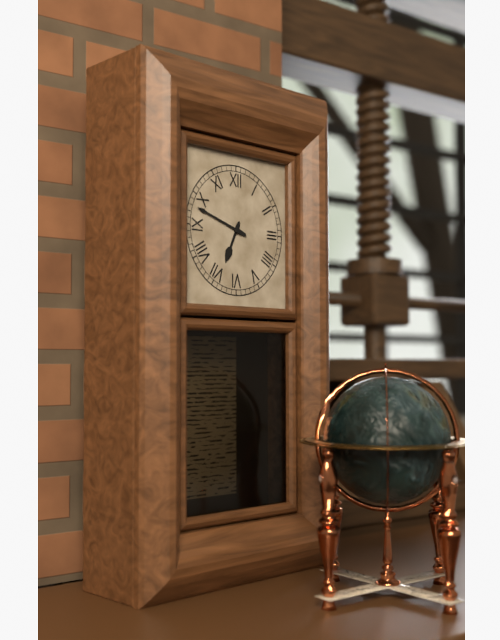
6:48
